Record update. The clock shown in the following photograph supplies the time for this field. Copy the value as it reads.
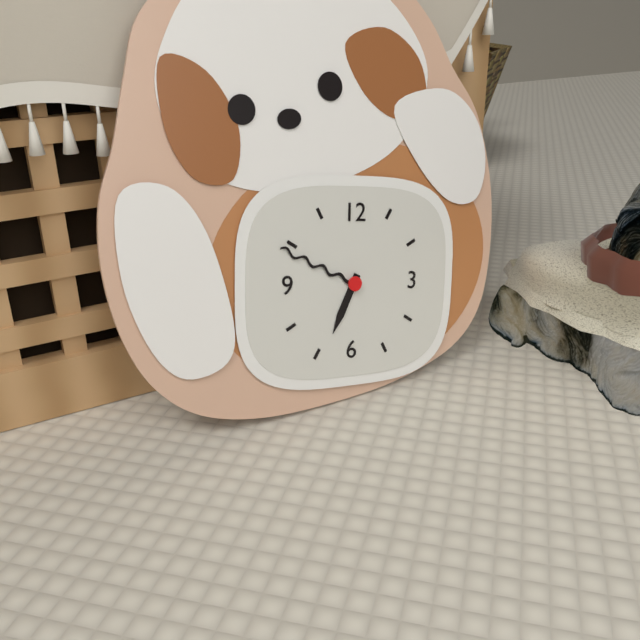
6:49
